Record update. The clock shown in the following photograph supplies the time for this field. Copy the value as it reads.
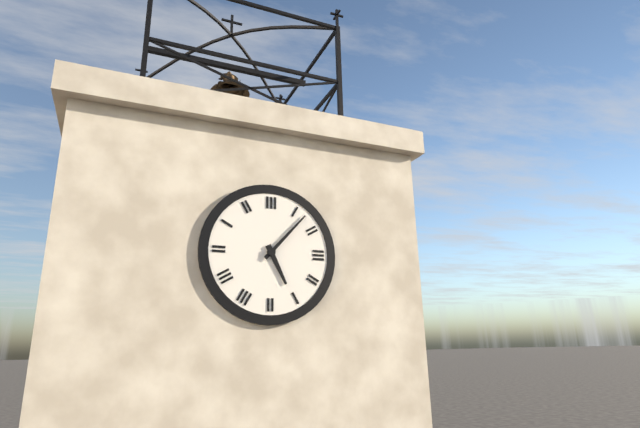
5:07
